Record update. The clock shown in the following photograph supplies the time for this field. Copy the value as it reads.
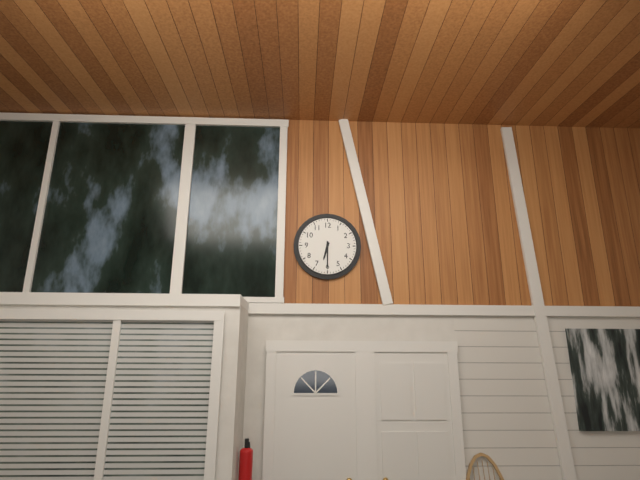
6:30
